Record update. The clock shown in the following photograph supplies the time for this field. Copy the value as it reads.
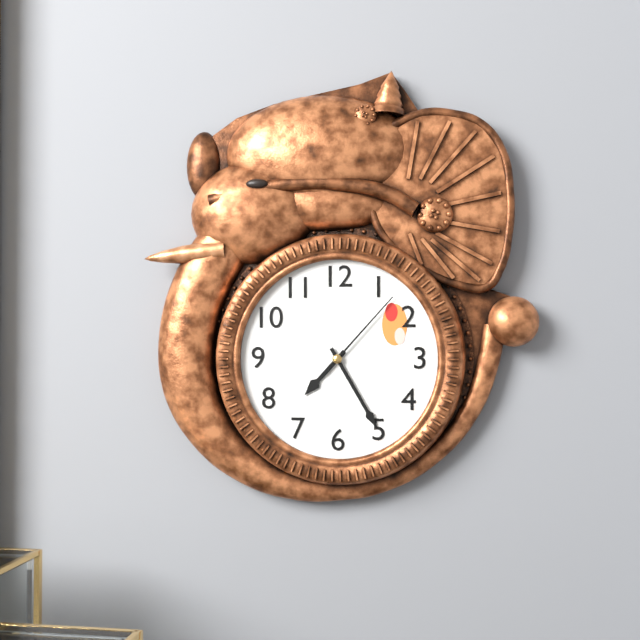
7:25:07
